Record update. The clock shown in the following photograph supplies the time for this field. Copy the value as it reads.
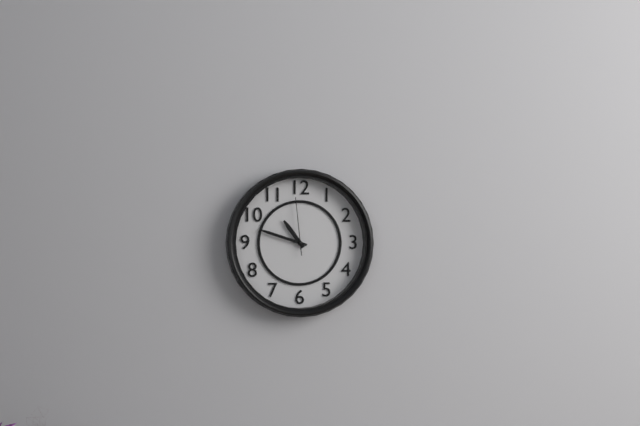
10:48:59
